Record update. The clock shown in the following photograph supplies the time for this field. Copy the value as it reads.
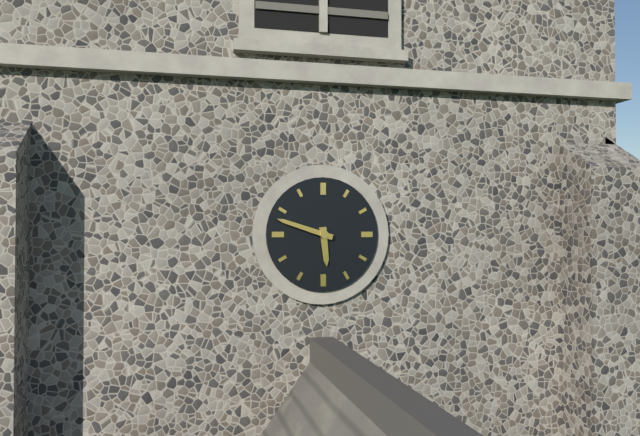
5:48
